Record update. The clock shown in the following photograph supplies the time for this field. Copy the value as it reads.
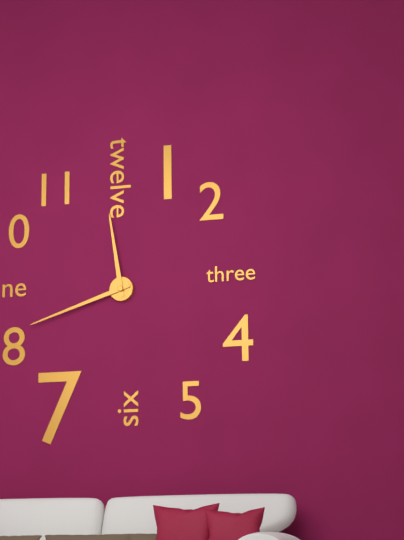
11:42
